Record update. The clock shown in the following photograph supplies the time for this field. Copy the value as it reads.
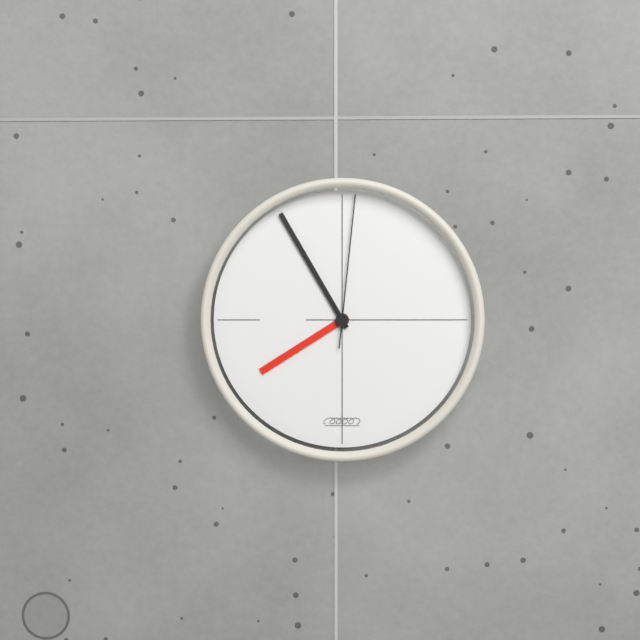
7:55:01
